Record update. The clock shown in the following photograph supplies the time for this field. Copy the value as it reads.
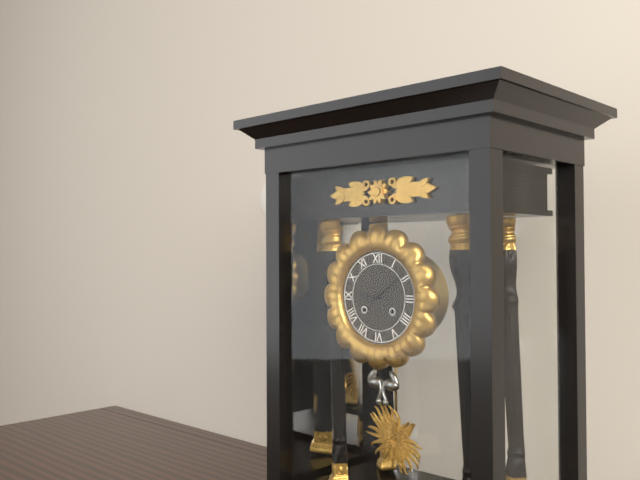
9:09
